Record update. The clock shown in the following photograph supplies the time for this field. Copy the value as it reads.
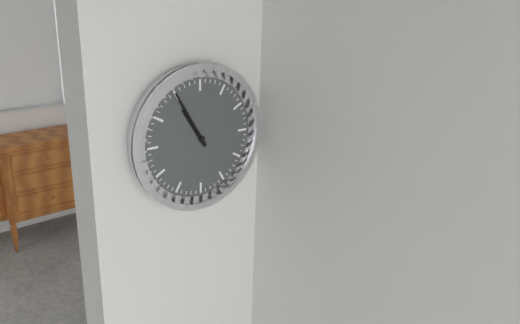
10:55
